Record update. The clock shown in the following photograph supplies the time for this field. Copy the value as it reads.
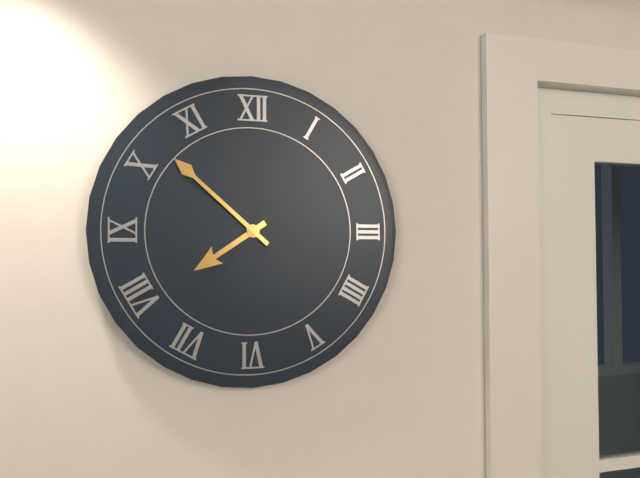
7:52
